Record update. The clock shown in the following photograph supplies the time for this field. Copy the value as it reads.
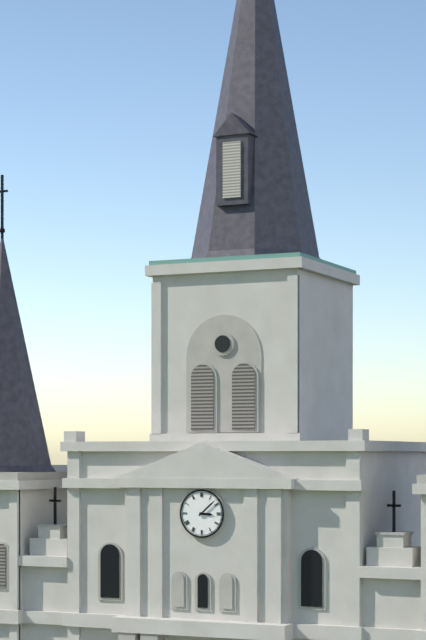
3:08
